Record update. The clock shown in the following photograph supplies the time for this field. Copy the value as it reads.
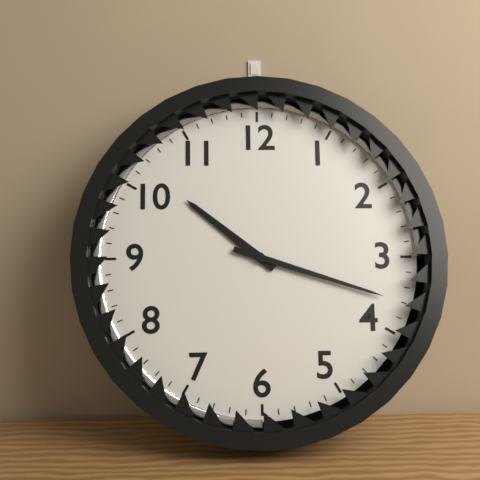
10:18
